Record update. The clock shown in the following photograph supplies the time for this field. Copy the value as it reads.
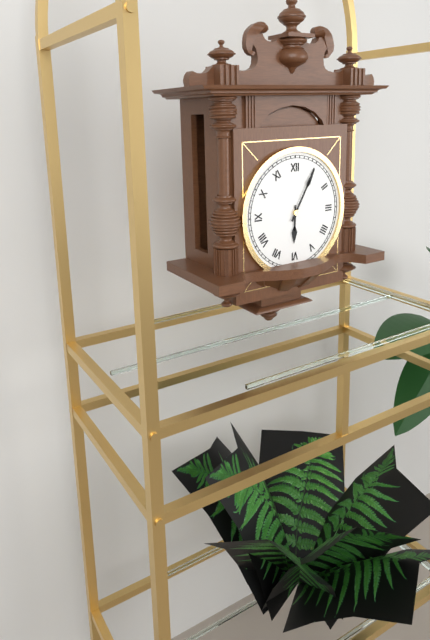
6:05
